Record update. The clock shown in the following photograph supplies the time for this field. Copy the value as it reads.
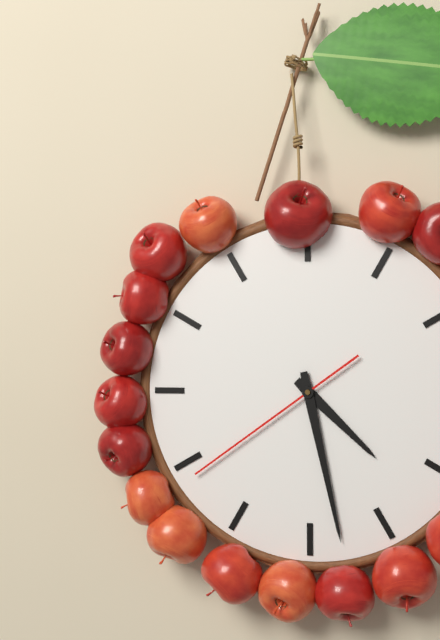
4:28:39
